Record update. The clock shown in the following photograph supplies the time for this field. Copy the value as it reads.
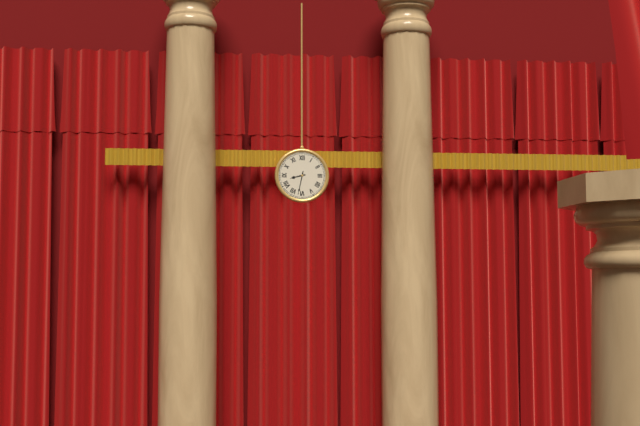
8:32
